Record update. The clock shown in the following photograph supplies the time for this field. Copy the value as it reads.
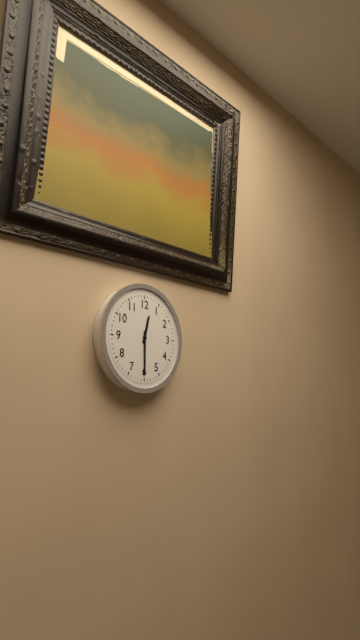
12:30
